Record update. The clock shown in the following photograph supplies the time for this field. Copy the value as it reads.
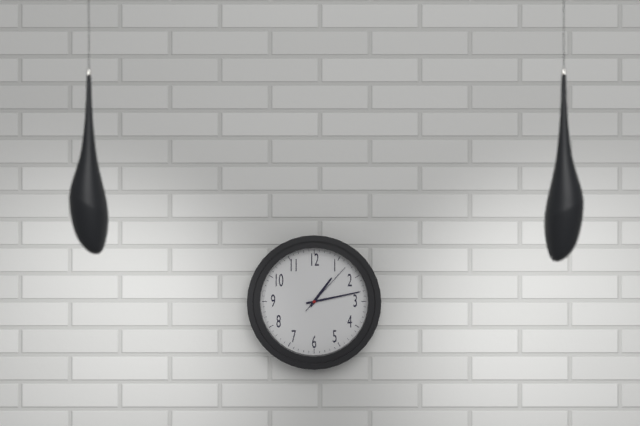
1:13:07
